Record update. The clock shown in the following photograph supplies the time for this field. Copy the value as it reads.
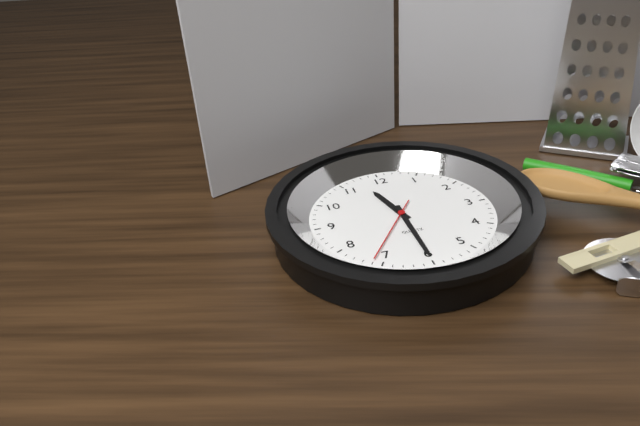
11:30:36
